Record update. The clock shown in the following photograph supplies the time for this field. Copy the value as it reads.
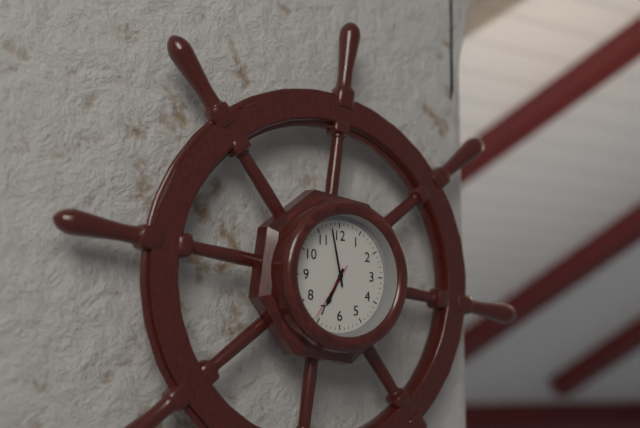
6:58:36
